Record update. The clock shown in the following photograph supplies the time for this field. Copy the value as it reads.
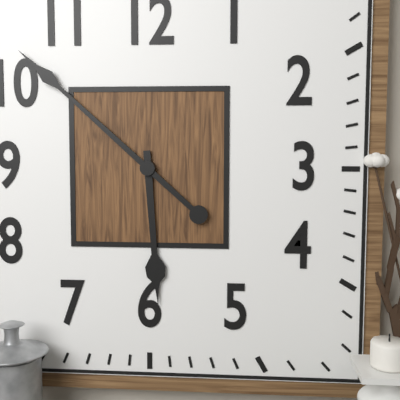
5:52
